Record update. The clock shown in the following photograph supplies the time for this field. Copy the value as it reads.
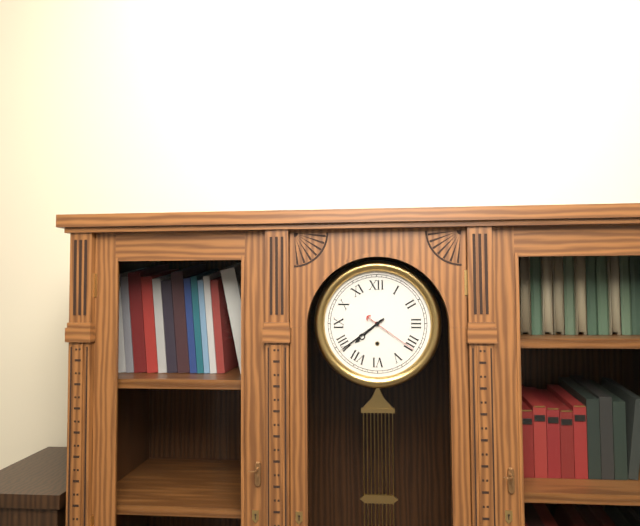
7:39:21
